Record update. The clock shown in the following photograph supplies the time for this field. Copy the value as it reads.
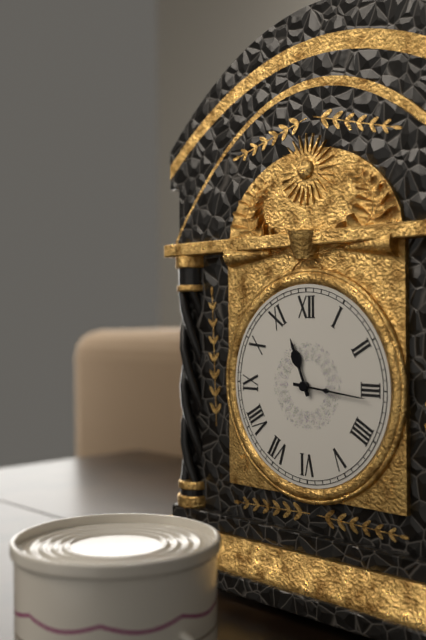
11:16
